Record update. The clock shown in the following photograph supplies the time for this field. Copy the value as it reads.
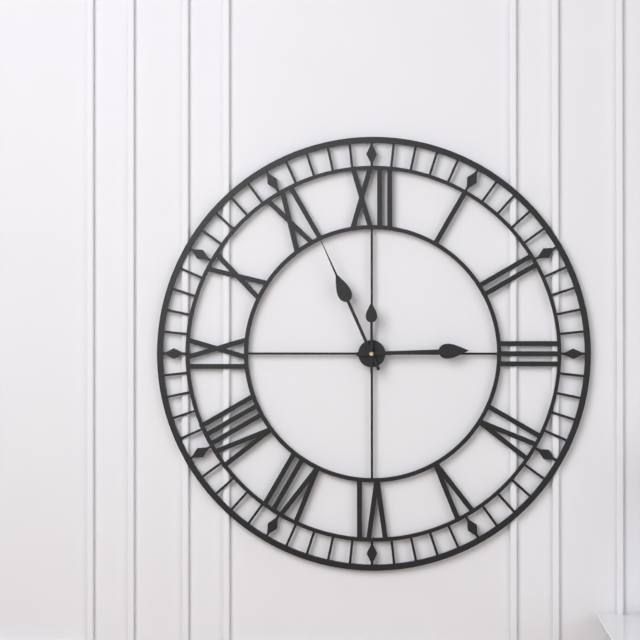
2:56:00
